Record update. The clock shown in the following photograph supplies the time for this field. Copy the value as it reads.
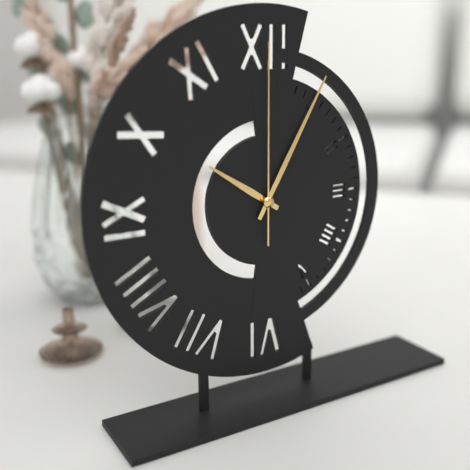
10:05:00
